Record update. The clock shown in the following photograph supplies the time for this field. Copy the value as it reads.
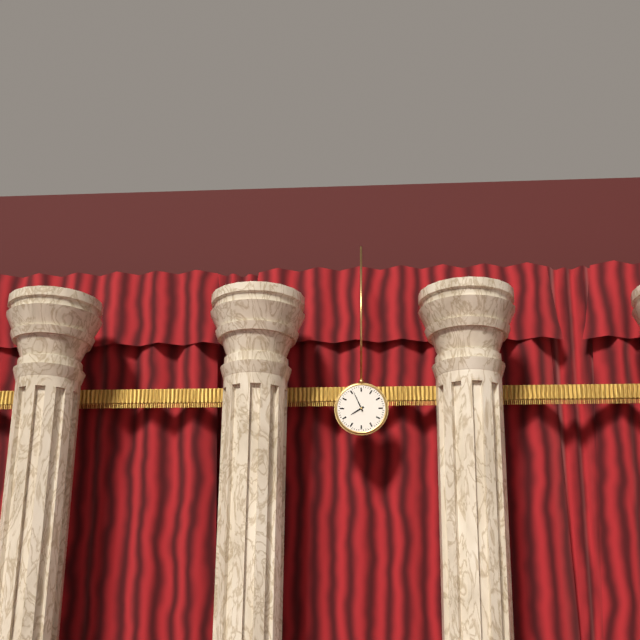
7:56
